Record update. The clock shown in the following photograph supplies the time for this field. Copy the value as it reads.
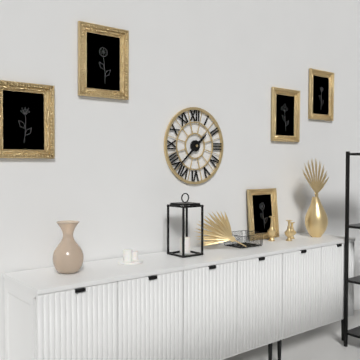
1:38
